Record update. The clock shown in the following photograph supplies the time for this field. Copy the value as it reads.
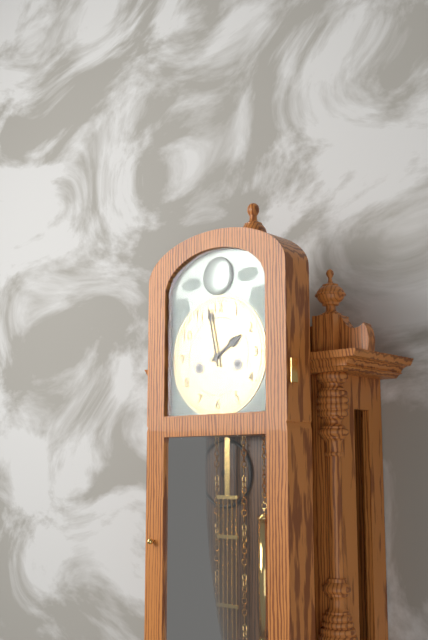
1:58
